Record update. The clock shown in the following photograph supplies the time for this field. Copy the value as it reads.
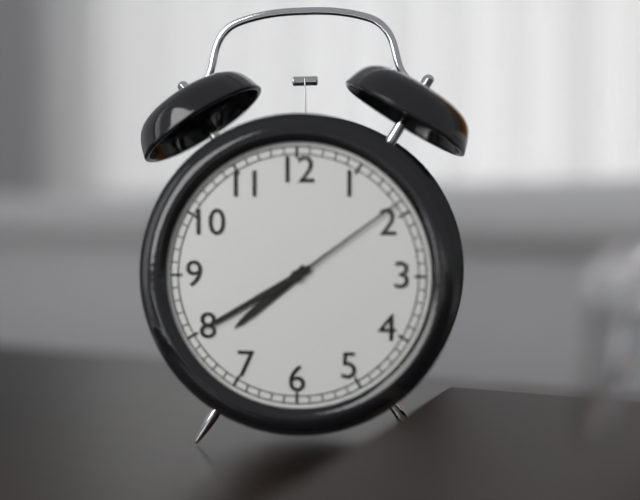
7:40:09
